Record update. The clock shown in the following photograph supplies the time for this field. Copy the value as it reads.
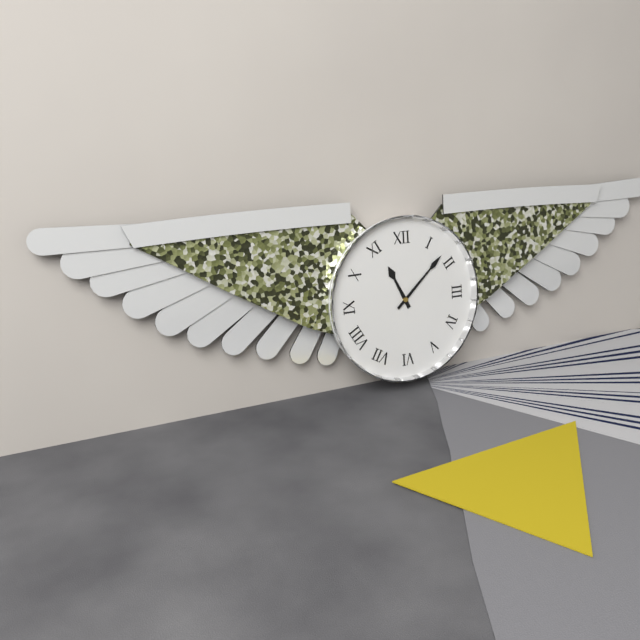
11:08
